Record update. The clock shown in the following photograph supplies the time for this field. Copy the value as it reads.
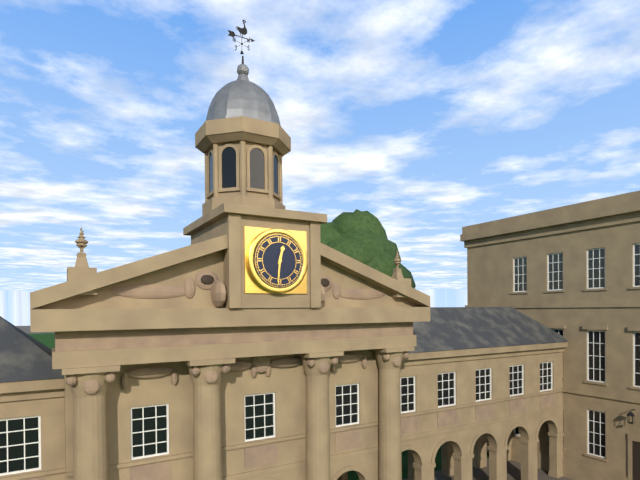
12:31
